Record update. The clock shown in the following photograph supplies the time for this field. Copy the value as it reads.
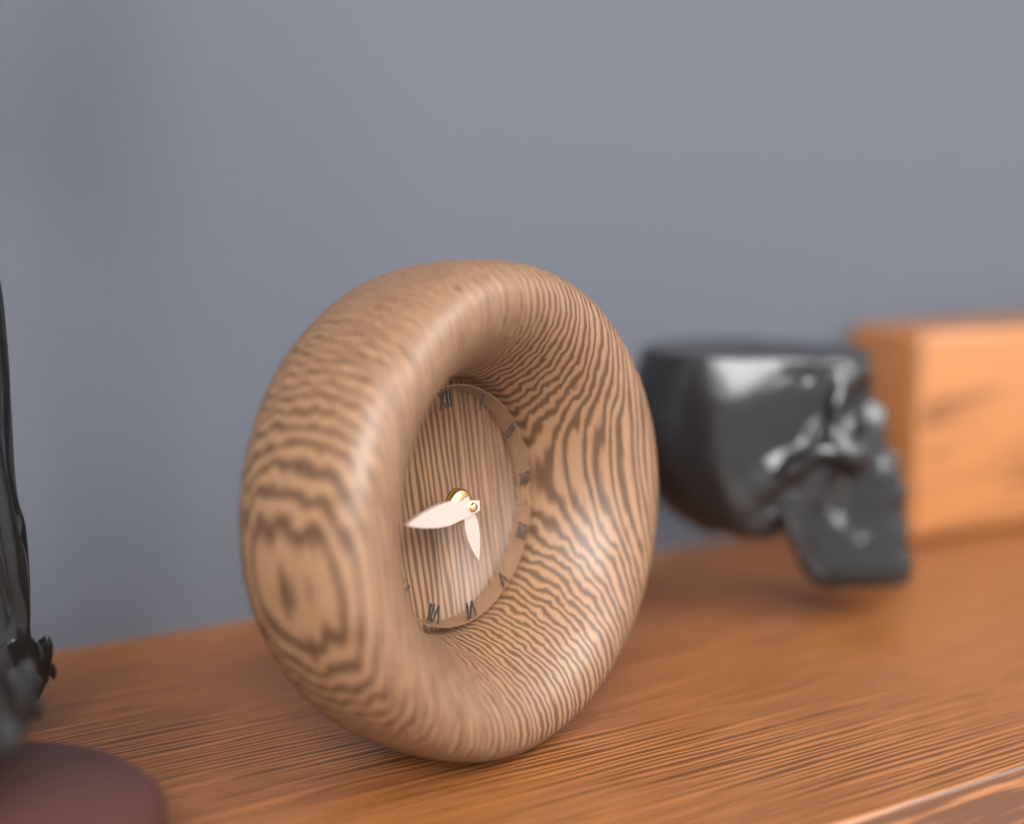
5:46
